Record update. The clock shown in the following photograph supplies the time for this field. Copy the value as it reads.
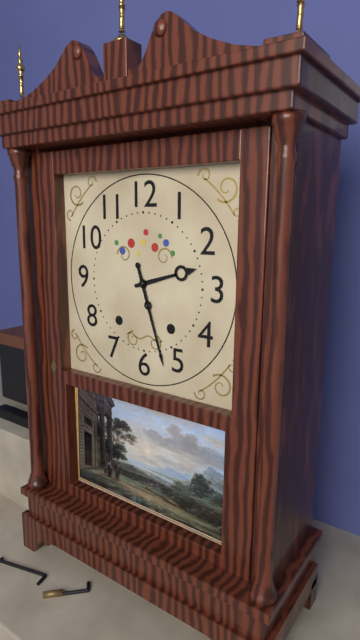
2:27
